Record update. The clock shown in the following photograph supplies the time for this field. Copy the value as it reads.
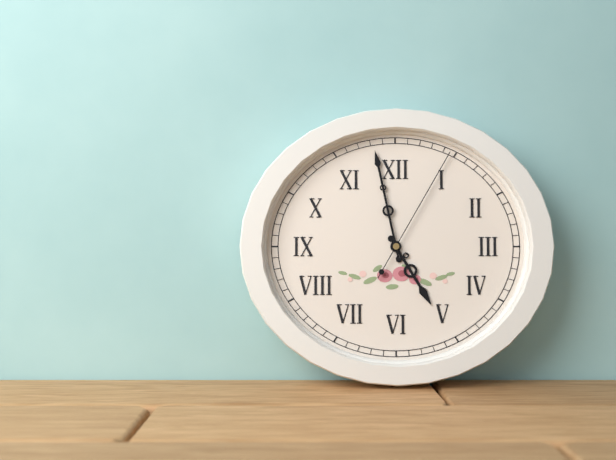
4:58:05
